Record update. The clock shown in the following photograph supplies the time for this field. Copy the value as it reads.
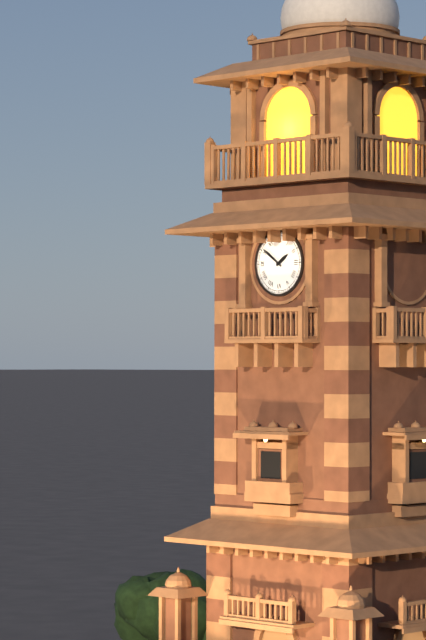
1:51
